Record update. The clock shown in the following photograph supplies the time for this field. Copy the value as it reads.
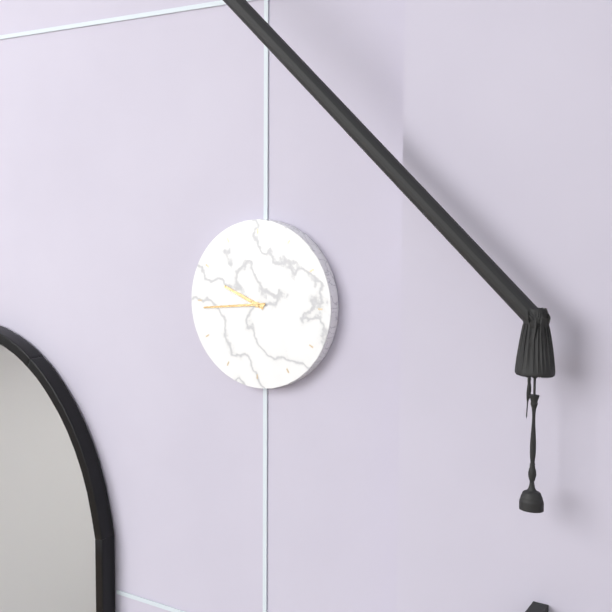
9:44
